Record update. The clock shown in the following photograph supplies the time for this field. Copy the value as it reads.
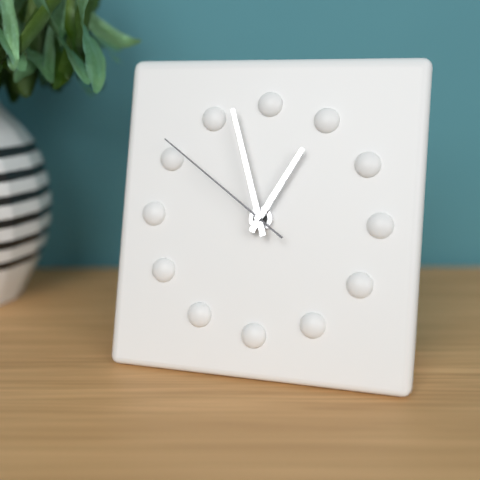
12:57:51
